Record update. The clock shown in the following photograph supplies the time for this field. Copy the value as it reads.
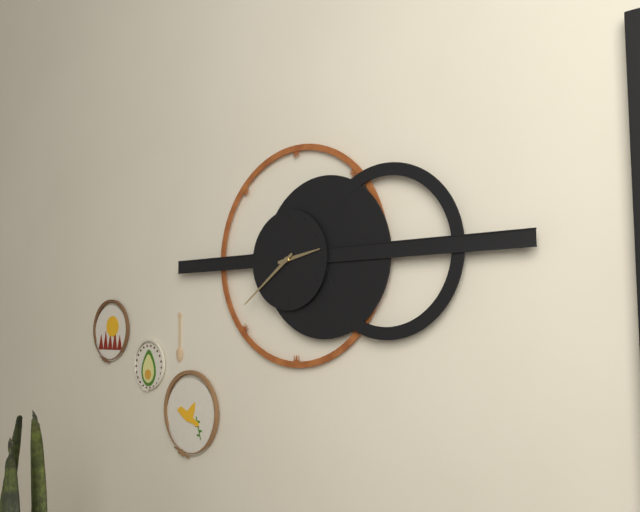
2:39
